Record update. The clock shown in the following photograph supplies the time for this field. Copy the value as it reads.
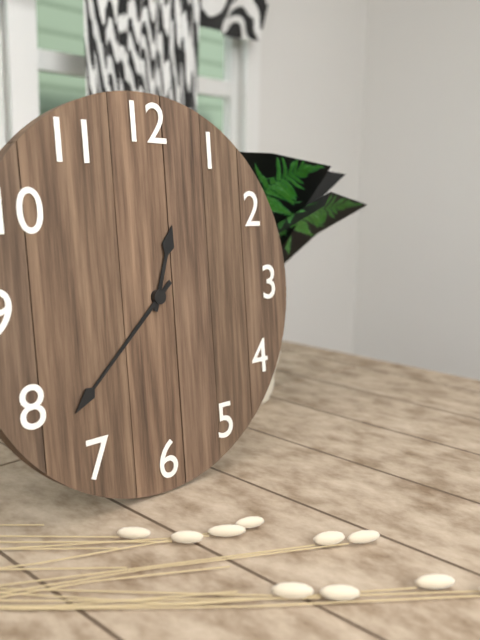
12:38
